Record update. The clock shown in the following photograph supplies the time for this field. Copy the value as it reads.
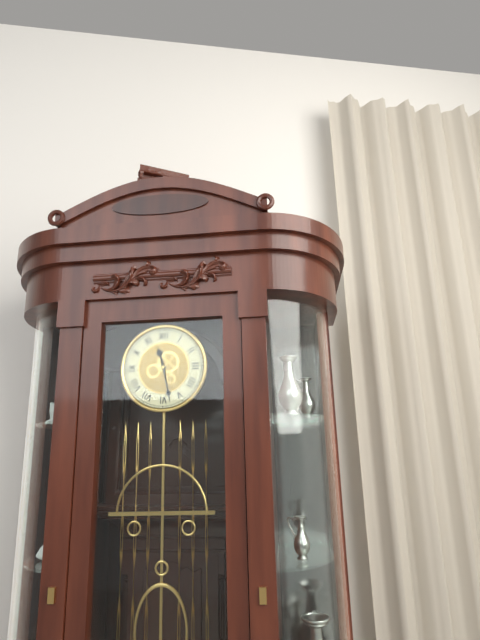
11:28
